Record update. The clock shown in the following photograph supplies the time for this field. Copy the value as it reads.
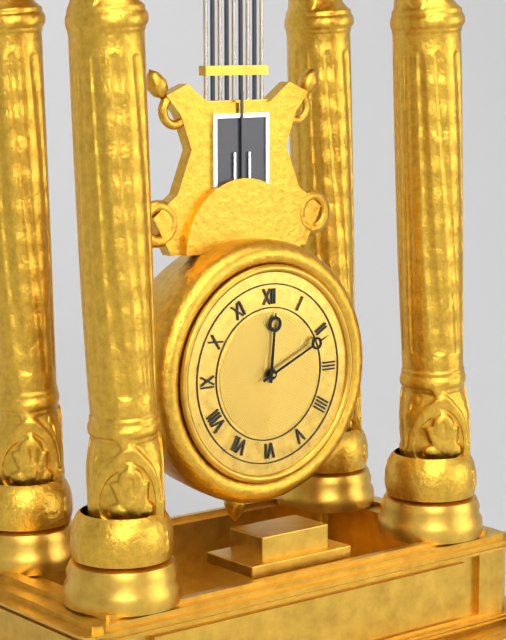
12:11
